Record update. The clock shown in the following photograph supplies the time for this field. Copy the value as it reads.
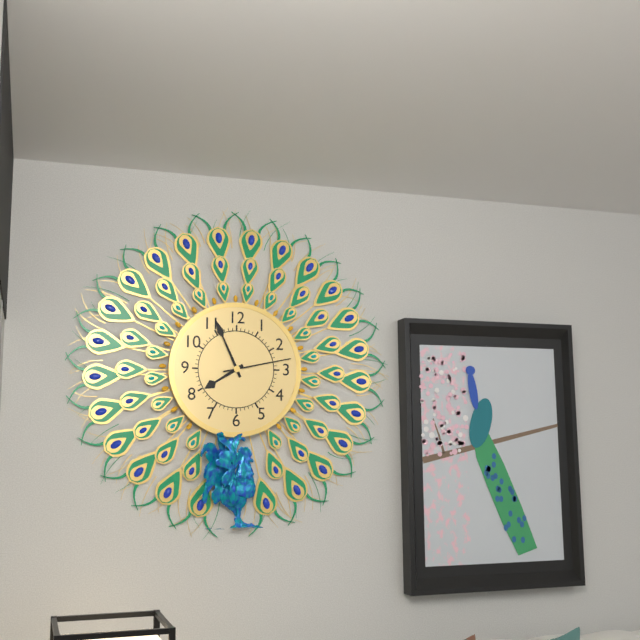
7:56:13
